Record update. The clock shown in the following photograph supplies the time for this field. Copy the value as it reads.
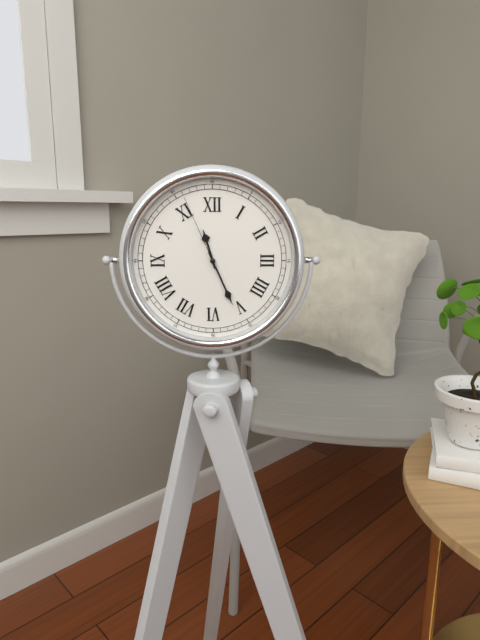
11:26:56
